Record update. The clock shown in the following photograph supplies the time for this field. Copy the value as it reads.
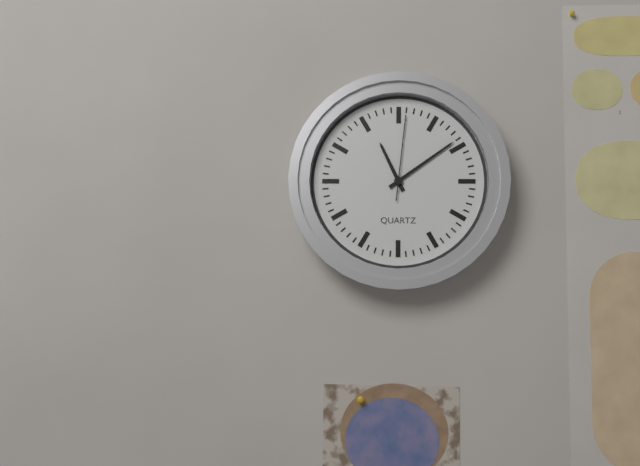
11:09:01
